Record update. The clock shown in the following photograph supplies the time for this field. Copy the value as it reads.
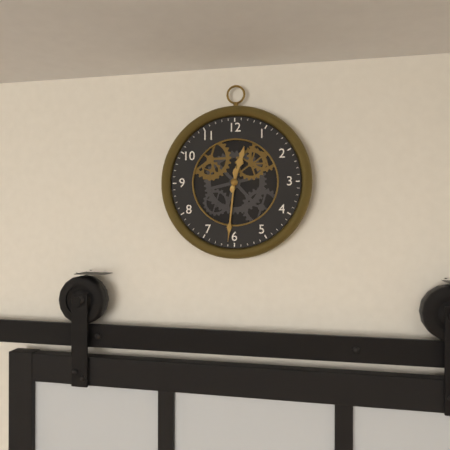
12:31
